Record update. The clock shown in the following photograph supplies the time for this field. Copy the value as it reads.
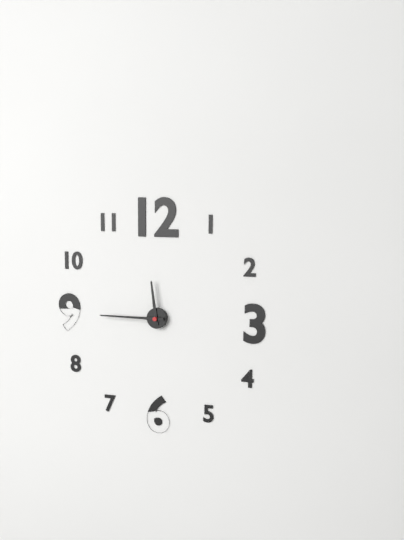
11:45
